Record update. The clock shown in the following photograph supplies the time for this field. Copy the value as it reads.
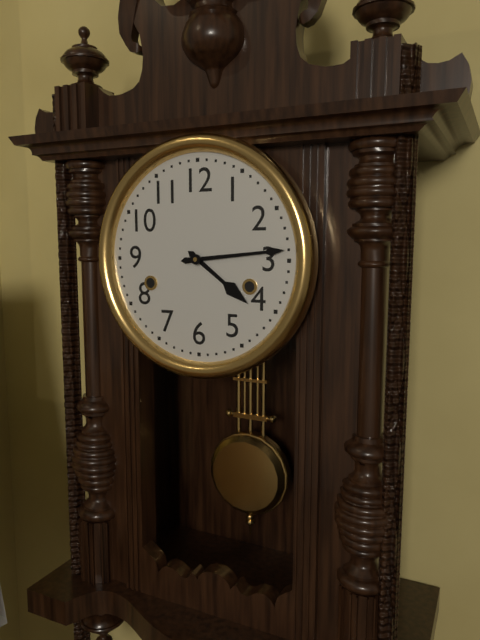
4:14
